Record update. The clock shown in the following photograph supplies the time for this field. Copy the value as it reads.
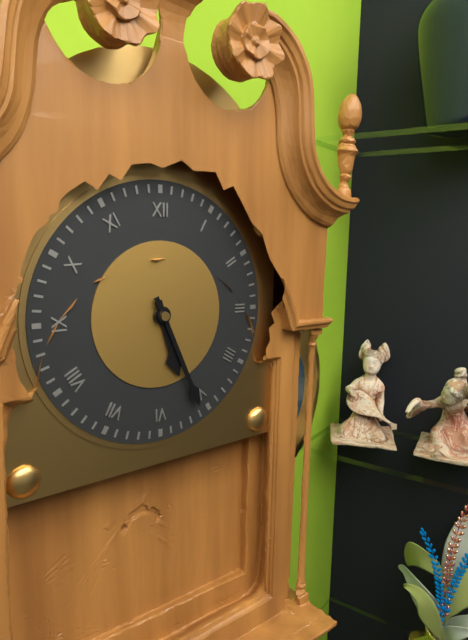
5:26
